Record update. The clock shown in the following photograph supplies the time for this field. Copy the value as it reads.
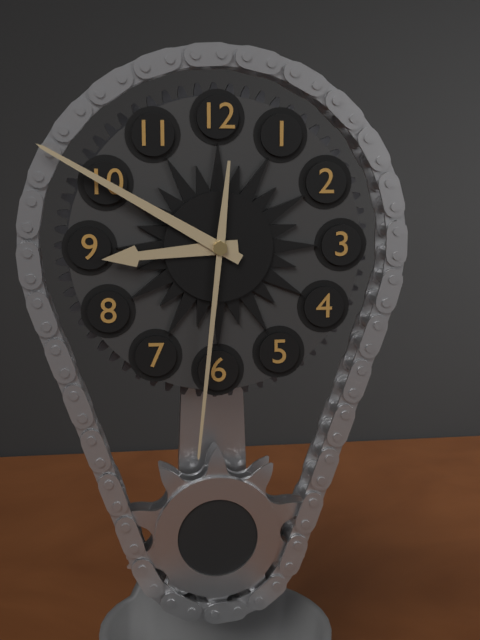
8:50:31
